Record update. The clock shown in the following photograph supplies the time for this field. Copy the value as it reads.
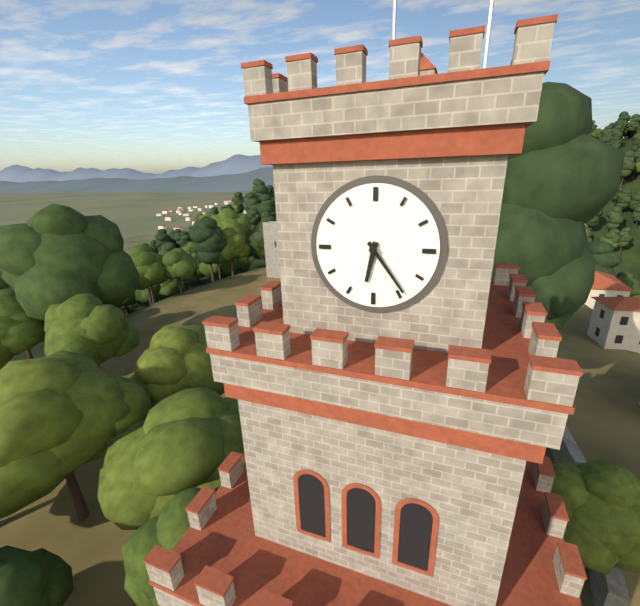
6:24
